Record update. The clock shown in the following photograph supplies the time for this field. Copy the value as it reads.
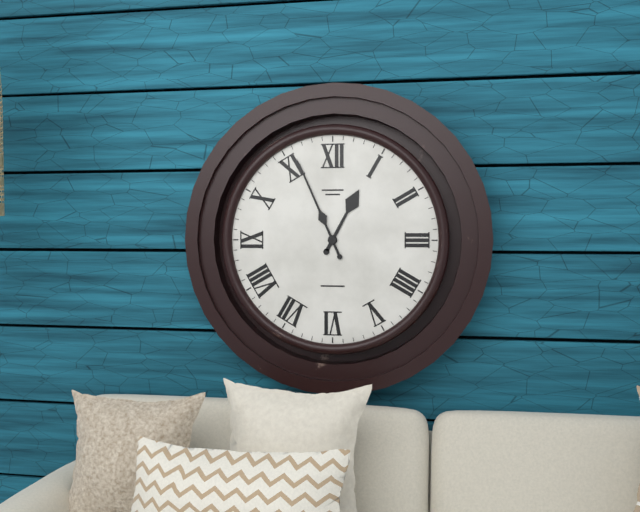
12:56
